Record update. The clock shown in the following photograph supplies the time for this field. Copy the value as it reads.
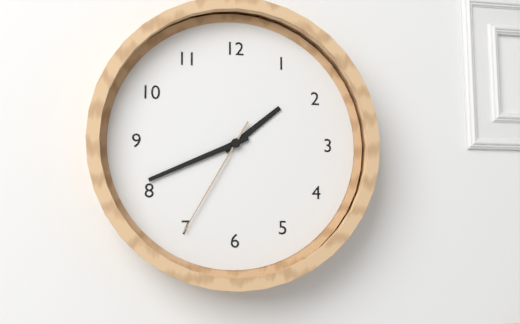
1:41:35
